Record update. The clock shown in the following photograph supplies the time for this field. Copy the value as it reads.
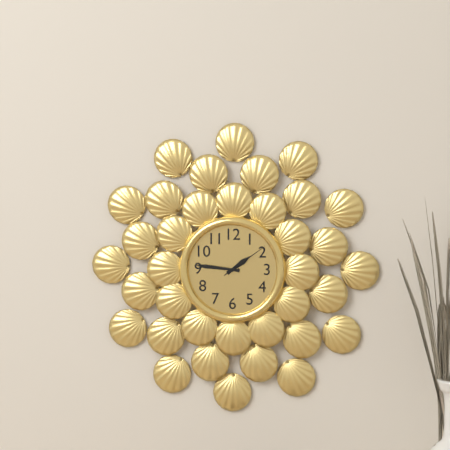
1:46
